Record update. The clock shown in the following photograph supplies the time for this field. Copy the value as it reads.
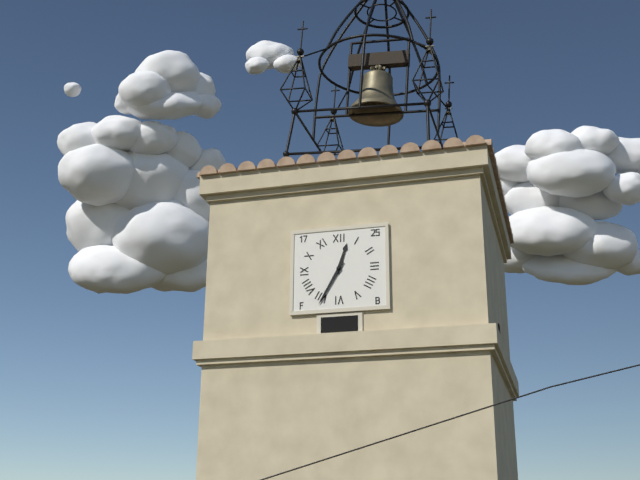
12:35
